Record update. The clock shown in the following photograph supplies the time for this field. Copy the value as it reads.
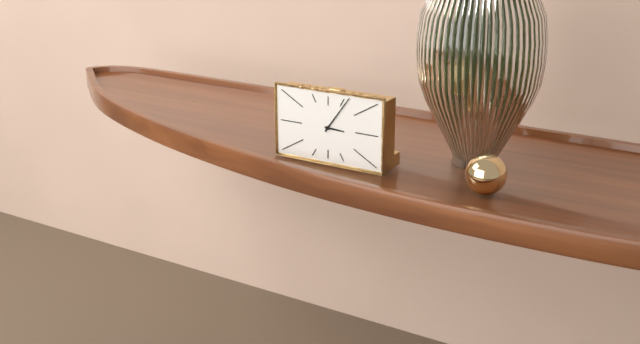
3:06
